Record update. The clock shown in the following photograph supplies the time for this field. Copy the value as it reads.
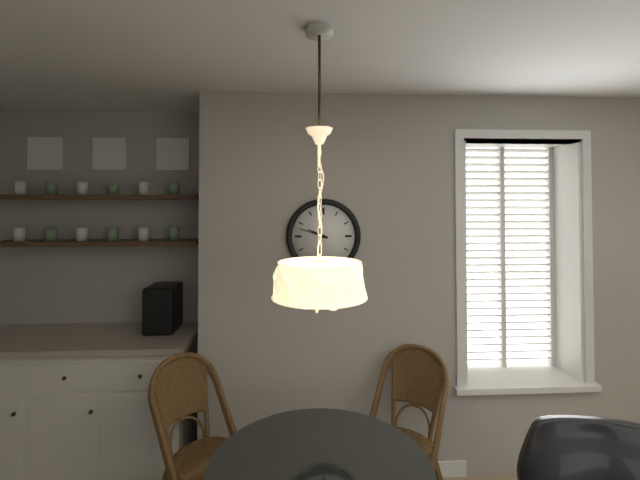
9:48
